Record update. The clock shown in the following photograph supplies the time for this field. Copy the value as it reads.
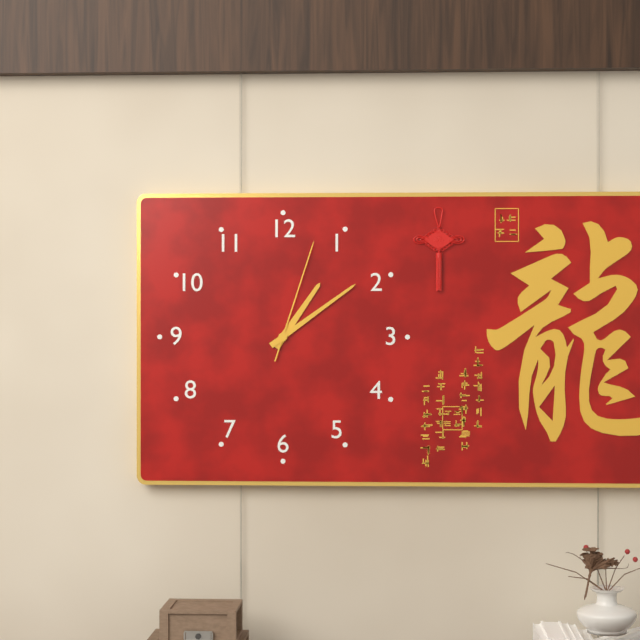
1:09:03
